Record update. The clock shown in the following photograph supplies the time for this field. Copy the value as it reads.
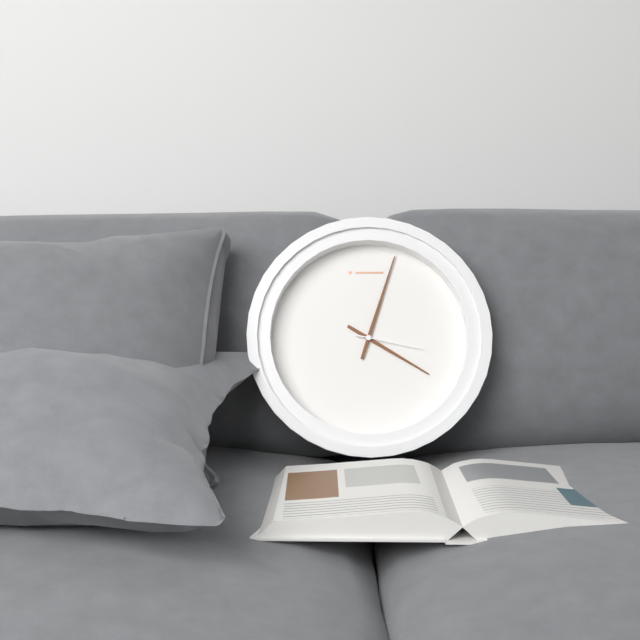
4:03:17
